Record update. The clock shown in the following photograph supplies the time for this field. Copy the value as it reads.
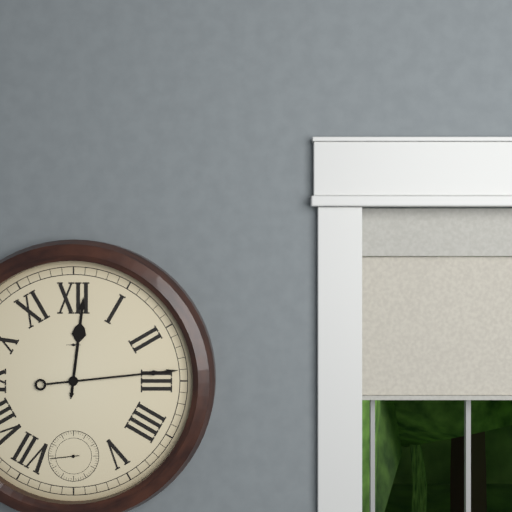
12:14
